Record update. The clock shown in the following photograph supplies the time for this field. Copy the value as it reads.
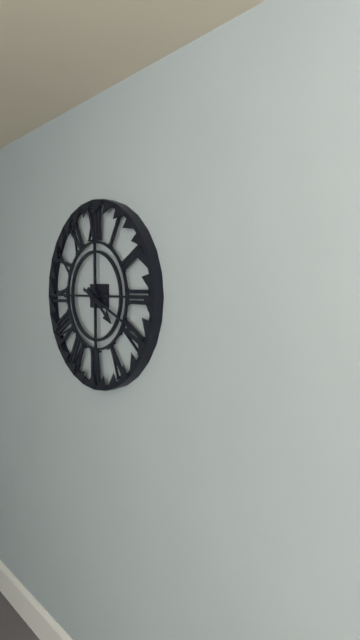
4:19
